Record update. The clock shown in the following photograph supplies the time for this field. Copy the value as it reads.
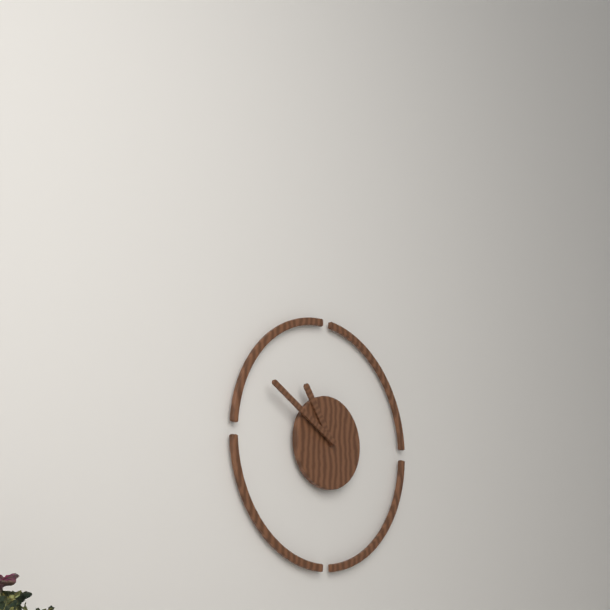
10:50
